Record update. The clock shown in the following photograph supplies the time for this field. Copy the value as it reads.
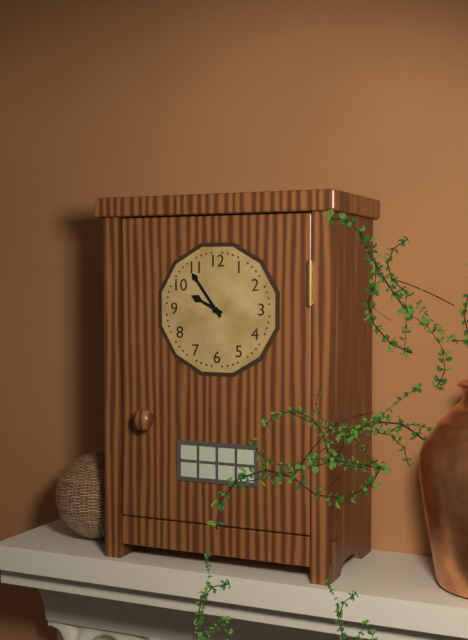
9:54
